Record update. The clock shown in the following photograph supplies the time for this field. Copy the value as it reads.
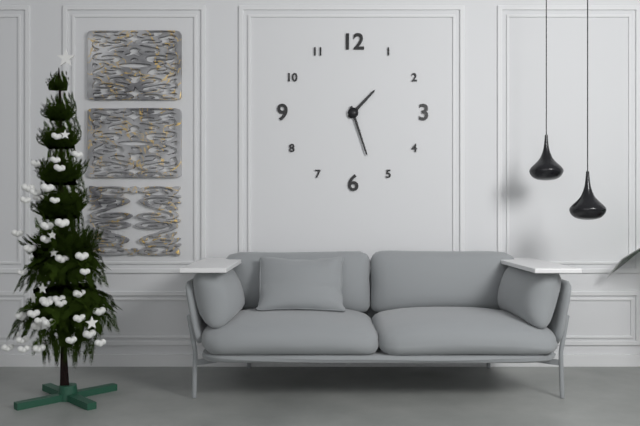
1:27
